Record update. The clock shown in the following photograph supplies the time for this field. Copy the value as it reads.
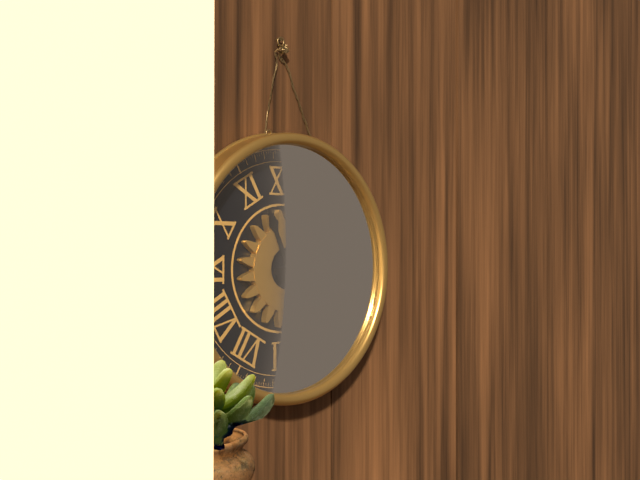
11:13
